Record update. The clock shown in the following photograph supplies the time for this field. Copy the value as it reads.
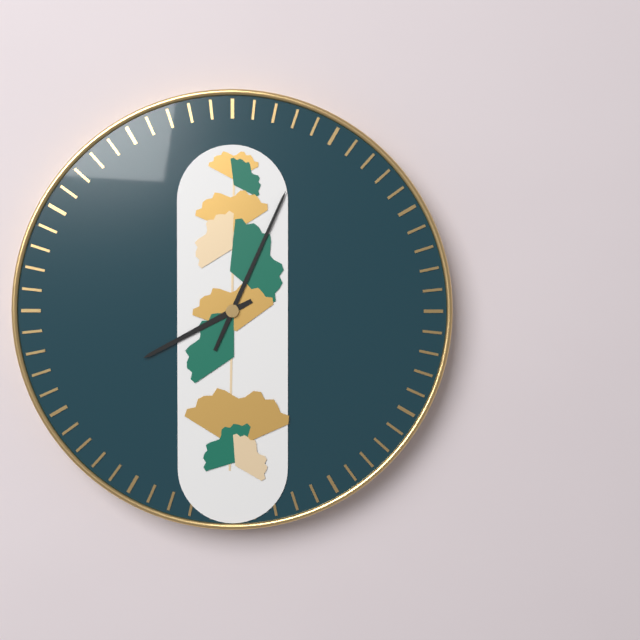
8:04
